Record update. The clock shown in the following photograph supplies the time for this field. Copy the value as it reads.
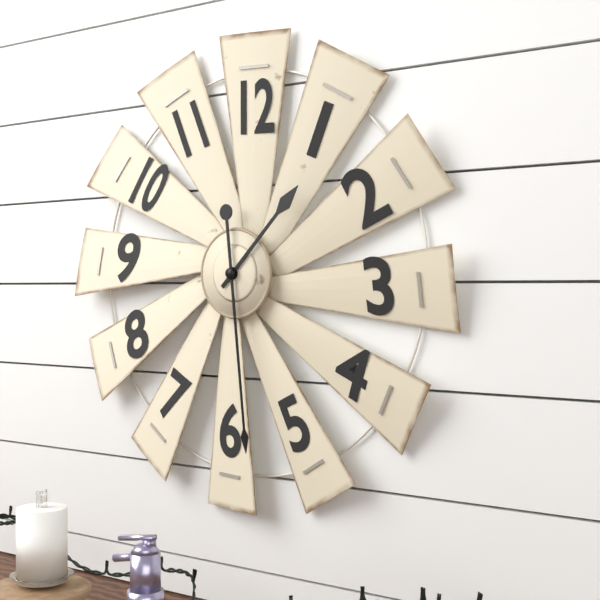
1:29
